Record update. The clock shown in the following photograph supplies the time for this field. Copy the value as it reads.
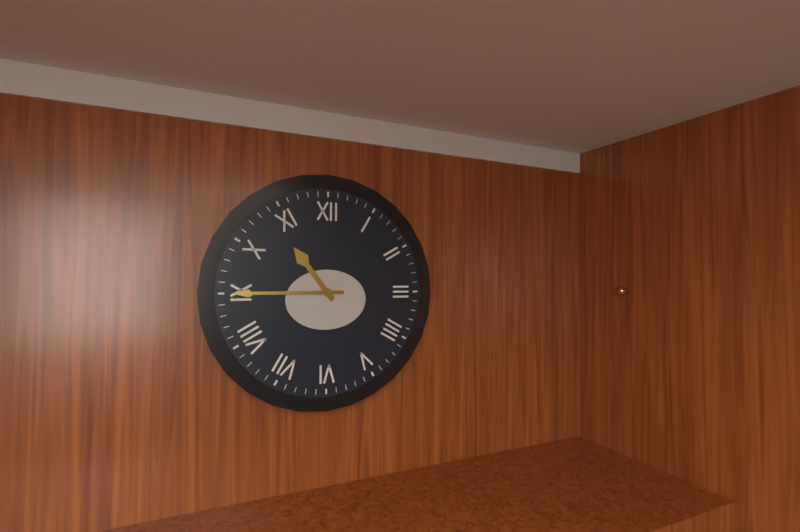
10:45
